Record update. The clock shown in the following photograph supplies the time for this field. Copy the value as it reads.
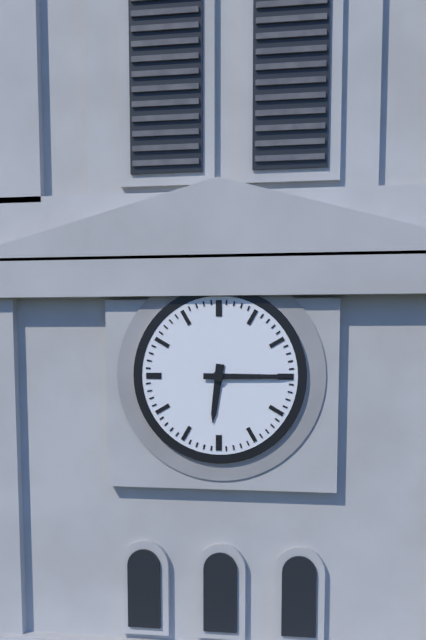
6:15
